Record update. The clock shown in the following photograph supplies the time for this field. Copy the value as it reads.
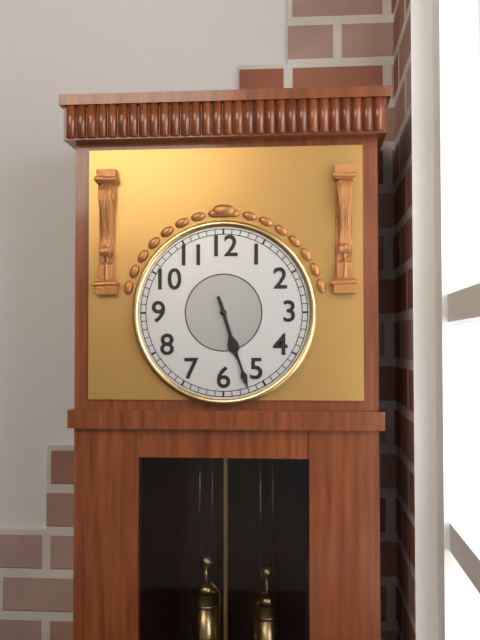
5:27
